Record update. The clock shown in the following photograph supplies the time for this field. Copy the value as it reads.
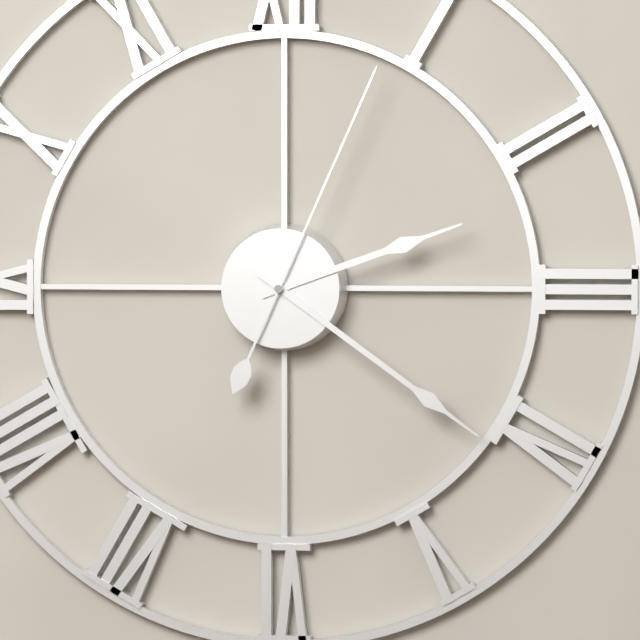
2:21:04
